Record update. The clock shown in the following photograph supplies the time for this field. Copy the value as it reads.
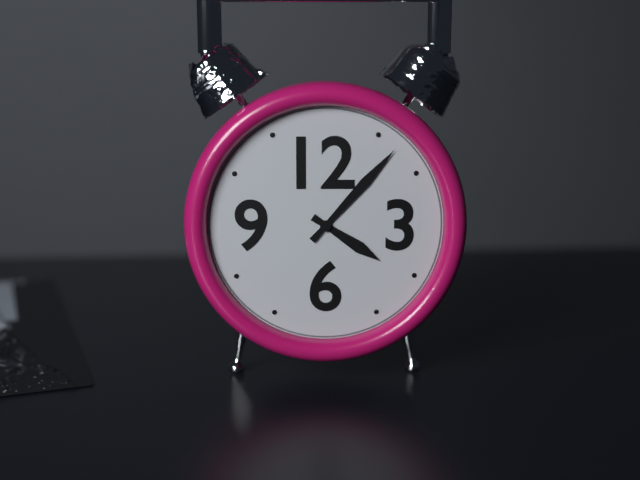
4:07
